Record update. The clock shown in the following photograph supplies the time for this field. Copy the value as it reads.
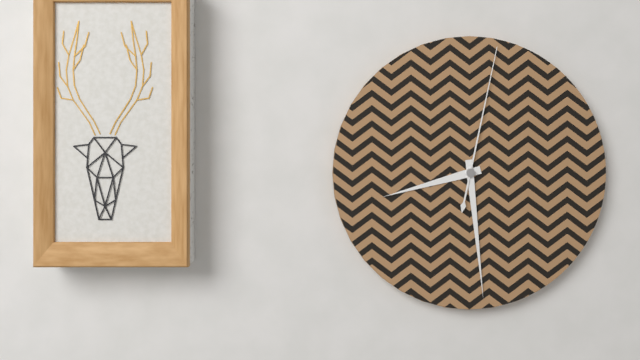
8:29:02
